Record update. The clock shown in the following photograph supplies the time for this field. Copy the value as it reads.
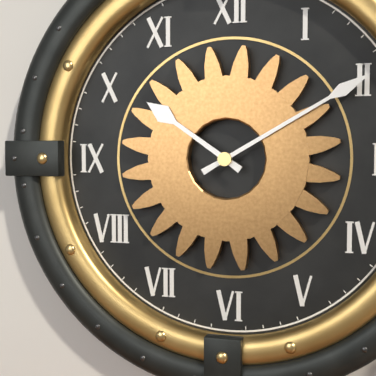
10:10
